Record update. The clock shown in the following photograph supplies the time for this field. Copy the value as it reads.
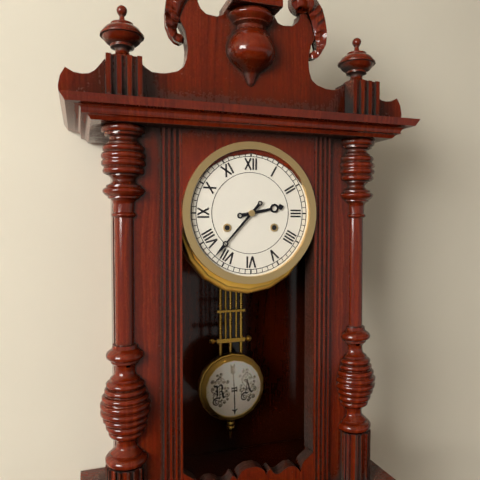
2:37
